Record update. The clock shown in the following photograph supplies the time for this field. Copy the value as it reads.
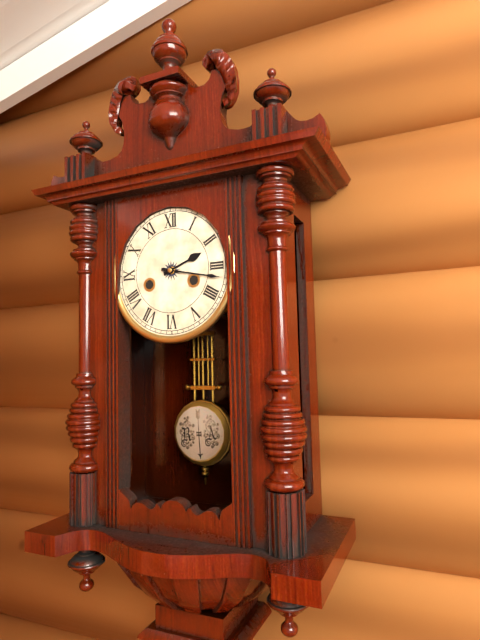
2:17
